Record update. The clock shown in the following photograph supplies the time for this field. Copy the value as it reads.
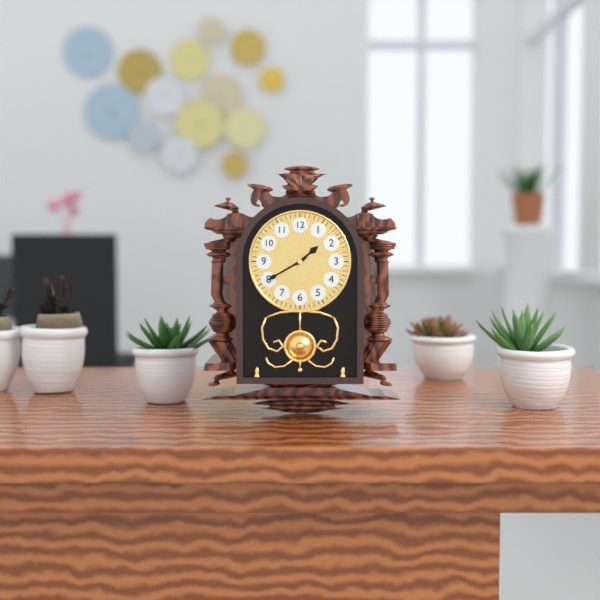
1:40
